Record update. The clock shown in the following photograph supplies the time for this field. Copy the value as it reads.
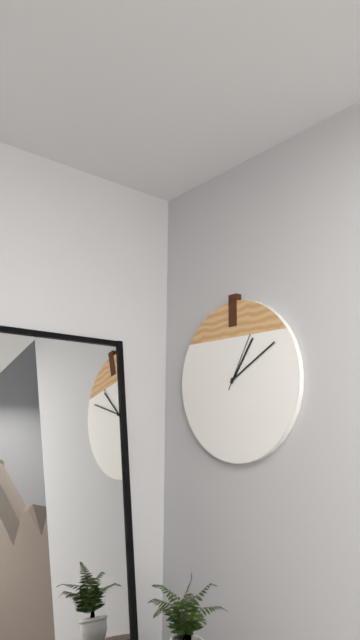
1:10:05
